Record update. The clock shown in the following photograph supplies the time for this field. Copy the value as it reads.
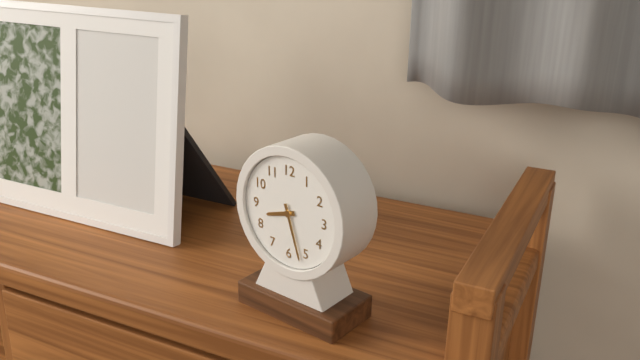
8:27
